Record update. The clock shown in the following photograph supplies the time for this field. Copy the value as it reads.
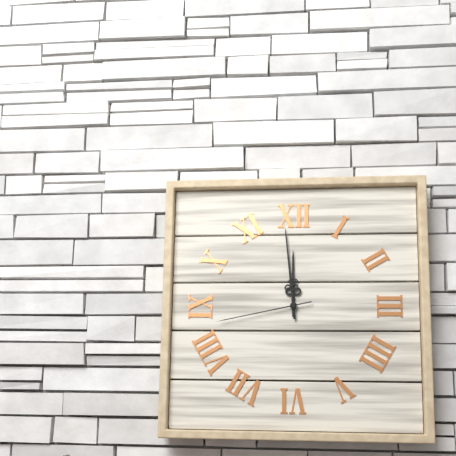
11:59:43
